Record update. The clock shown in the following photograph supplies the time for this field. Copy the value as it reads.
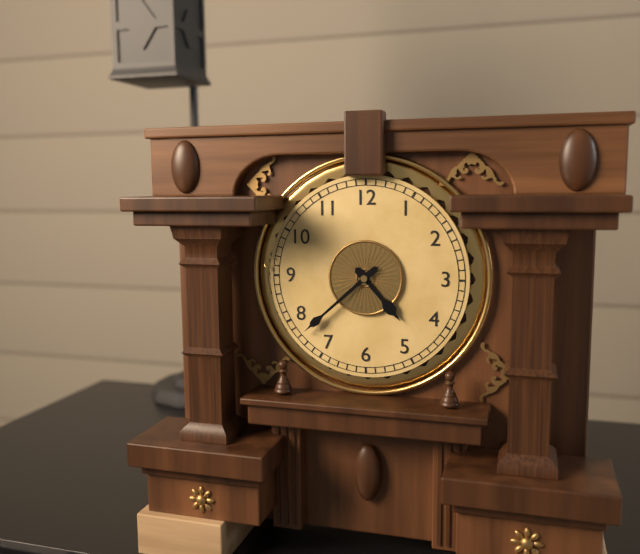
4:38
